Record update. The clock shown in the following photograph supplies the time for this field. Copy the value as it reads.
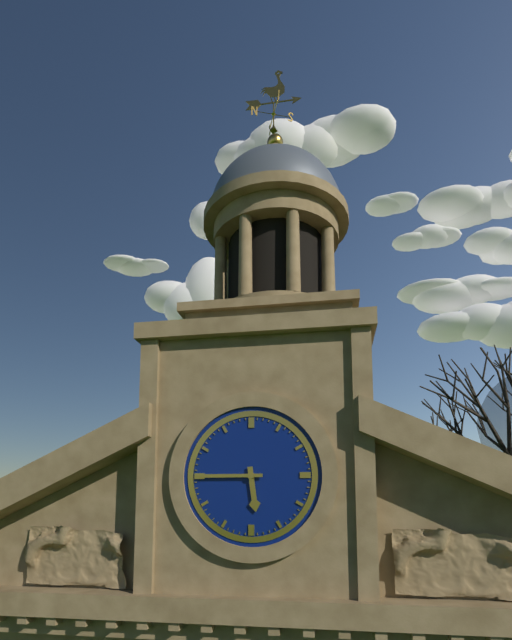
5:45
